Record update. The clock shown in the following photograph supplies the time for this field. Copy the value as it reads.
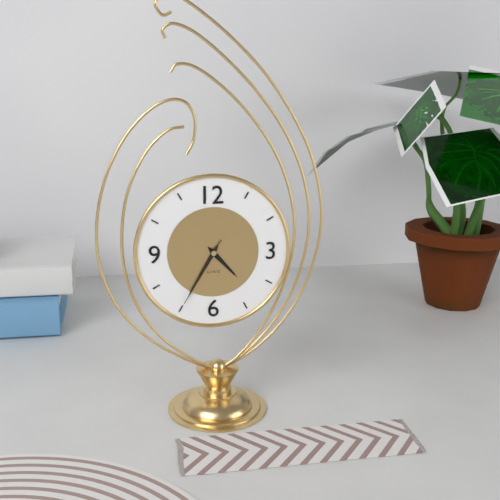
4:35:35
